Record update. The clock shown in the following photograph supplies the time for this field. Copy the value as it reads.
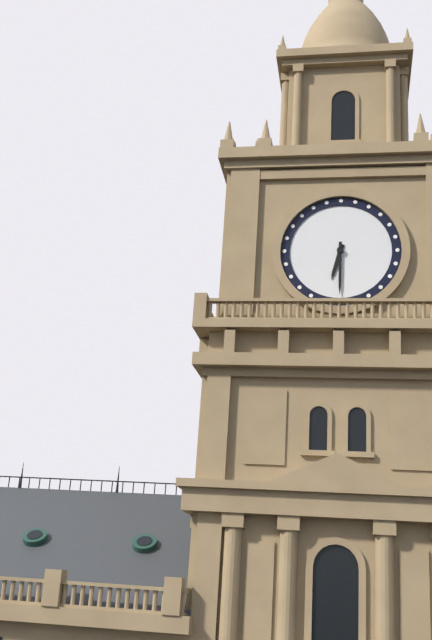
6:30
